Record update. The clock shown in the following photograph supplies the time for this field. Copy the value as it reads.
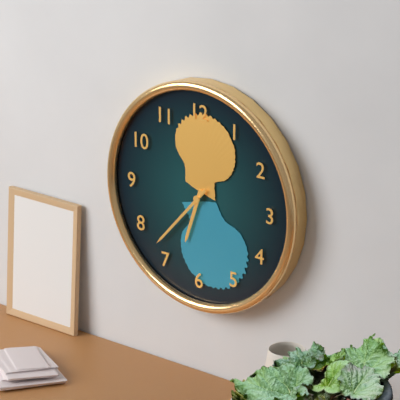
6:37
